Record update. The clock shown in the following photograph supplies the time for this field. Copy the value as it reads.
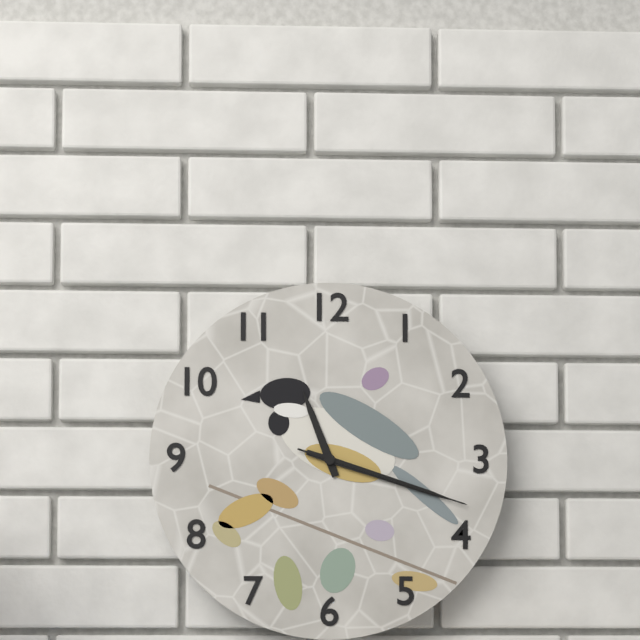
11:18:18
